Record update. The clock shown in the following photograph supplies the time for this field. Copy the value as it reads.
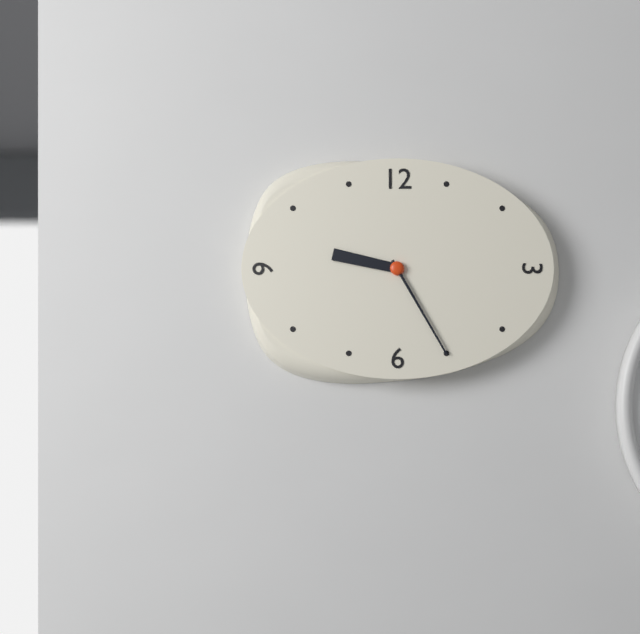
9:25
